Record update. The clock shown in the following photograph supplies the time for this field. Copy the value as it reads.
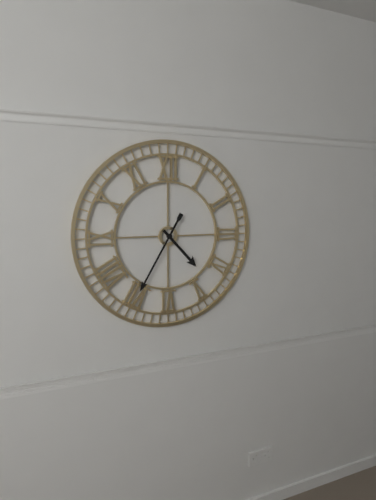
4:35
